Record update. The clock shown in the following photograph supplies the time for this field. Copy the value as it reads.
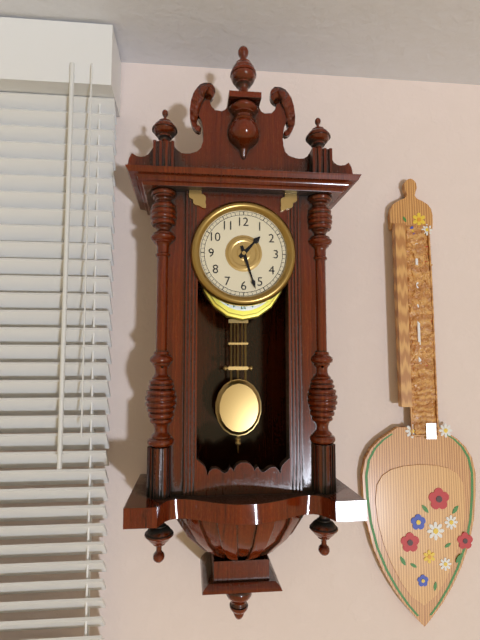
1:27
